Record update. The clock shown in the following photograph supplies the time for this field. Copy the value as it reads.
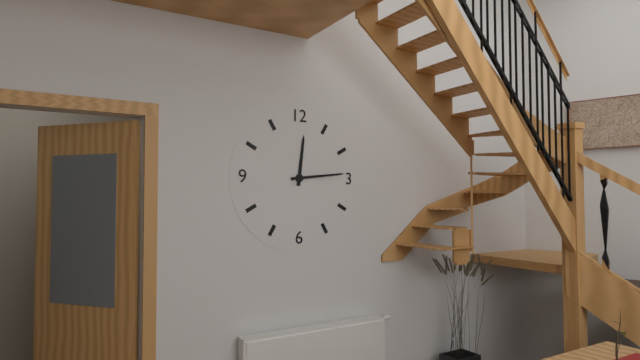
12:14
